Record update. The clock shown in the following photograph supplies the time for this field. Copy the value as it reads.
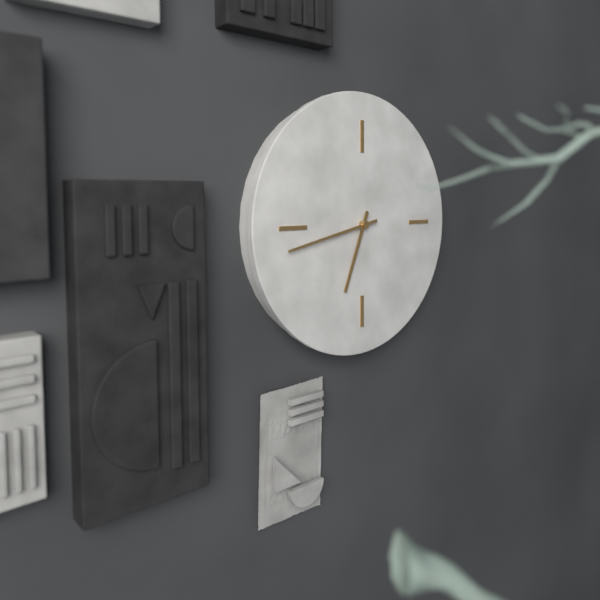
6:43
